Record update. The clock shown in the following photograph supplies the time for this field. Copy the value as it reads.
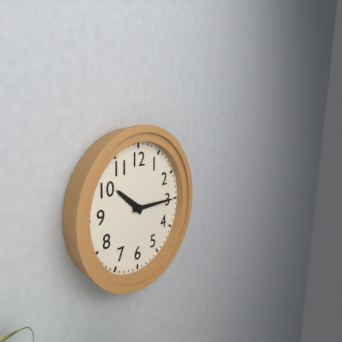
10:15
